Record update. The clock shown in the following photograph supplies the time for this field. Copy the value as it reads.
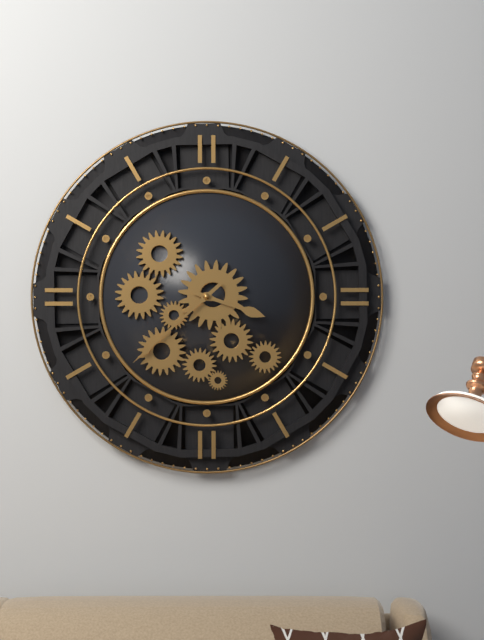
3:38
